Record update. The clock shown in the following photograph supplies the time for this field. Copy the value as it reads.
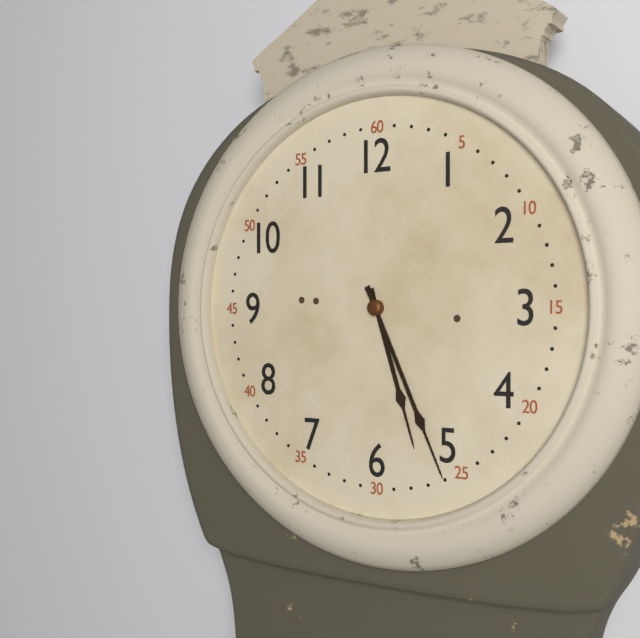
5:26
